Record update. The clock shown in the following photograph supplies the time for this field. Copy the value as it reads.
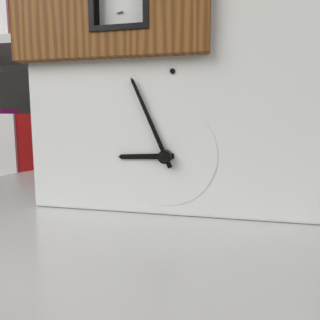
8:56
